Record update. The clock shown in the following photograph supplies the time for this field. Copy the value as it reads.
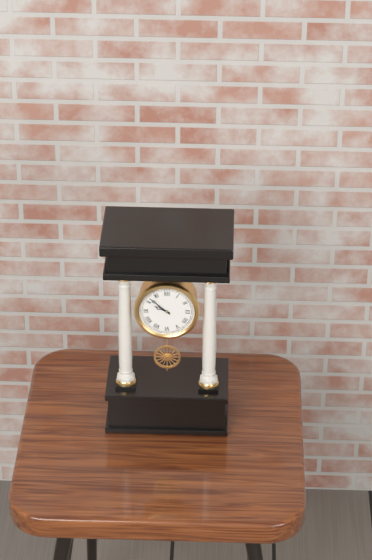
9:52
